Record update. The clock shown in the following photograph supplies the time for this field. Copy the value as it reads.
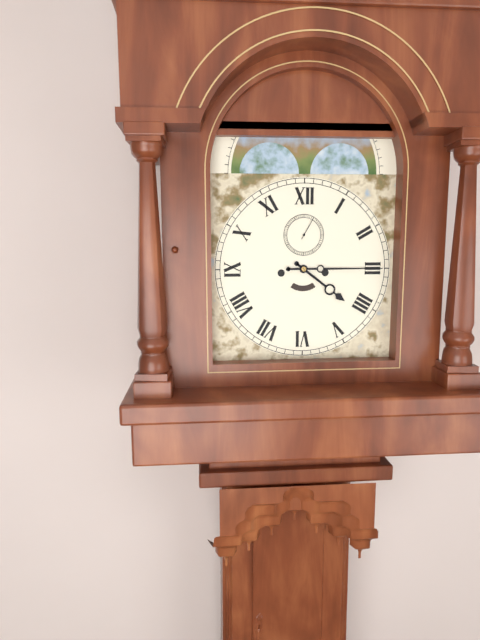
4:15
